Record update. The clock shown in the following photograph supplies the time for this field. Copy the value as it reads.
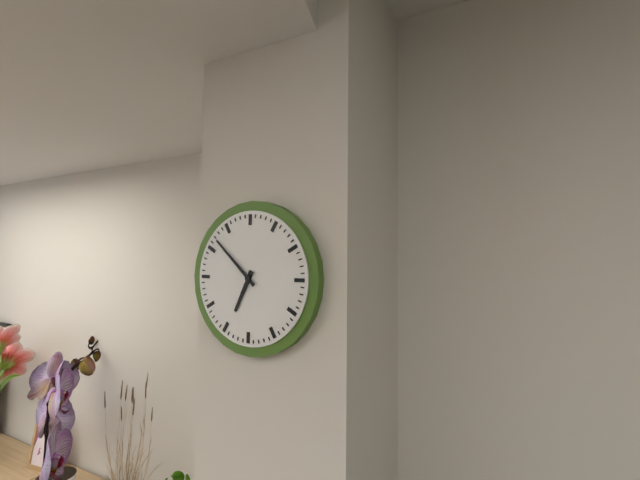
6:52
